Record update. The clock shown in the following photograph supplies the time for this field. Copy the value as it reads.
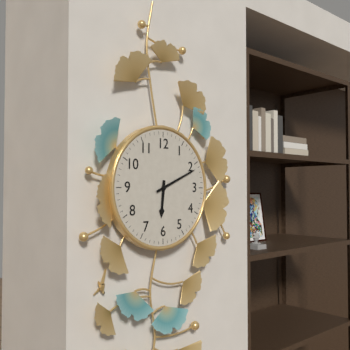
6:11
